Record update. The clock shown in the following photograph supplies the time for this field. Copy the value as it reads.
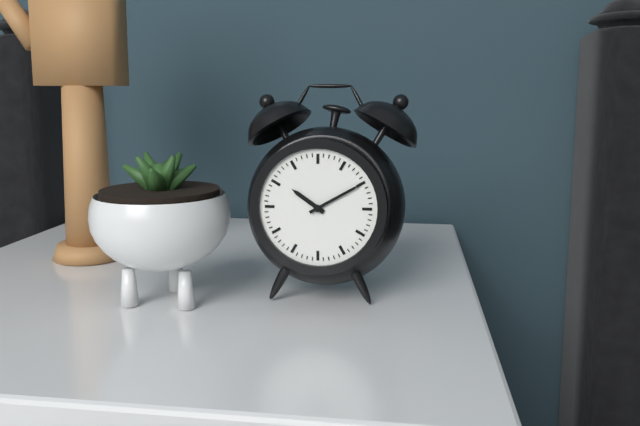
10:10
